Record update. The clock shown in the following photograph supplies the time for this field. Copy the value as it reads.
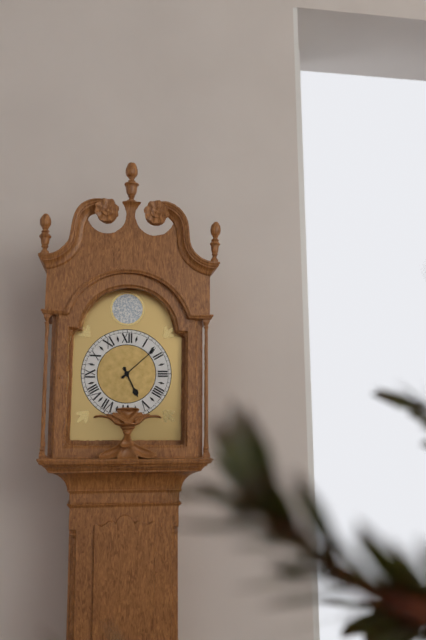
5:08
